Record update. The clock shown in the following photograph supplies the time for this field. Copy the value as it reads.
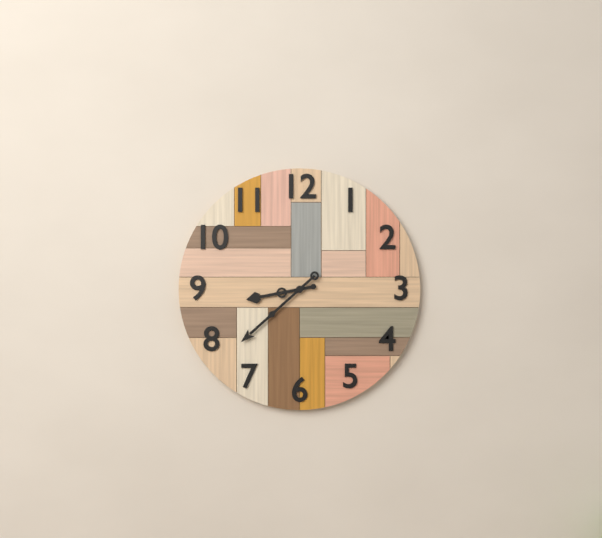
8:38
